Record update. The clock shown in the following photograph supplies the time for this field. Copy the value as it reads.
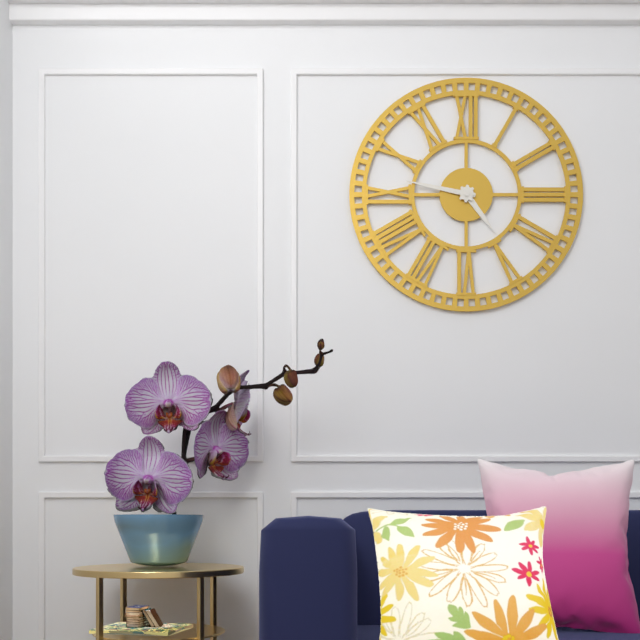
4:47
